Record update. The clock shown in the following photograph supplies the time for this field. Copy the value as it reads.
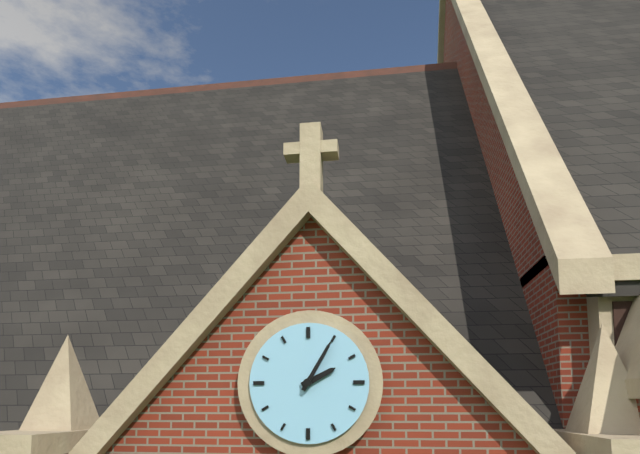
2:05
